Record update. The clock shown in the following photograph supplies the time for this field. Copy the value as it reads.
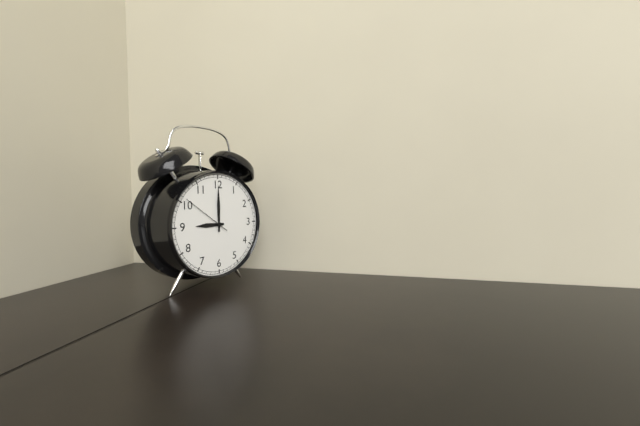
9:00:51
